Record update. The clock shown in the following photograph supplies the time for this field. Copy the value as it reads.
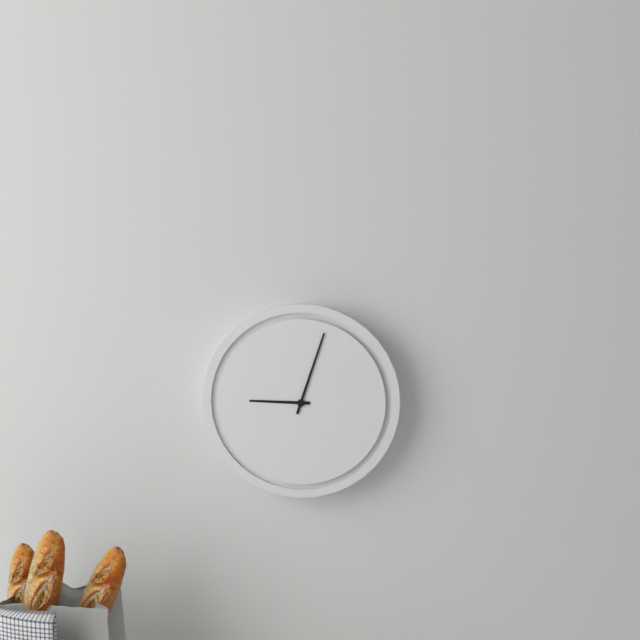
9:03
